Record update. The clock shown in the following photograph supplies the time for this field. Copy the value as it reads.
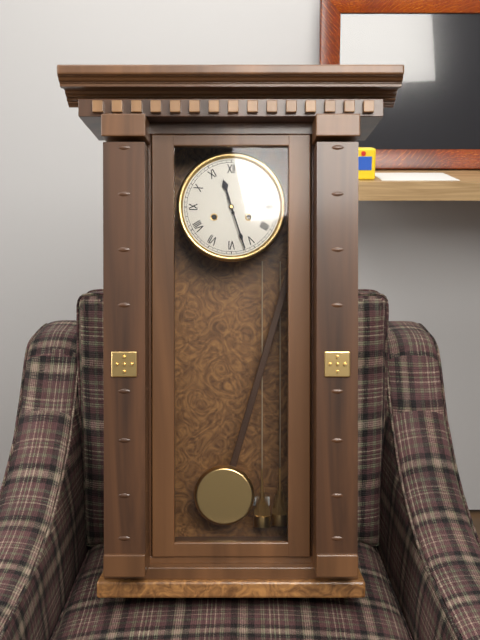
11:27
